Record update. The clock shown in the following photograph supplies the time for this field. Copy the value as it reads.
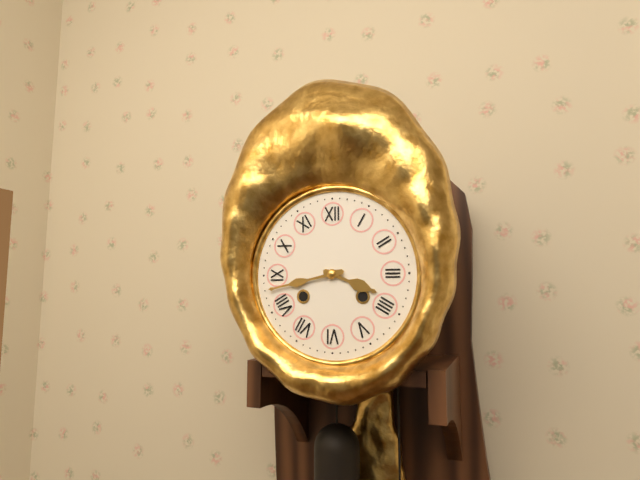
3:43
